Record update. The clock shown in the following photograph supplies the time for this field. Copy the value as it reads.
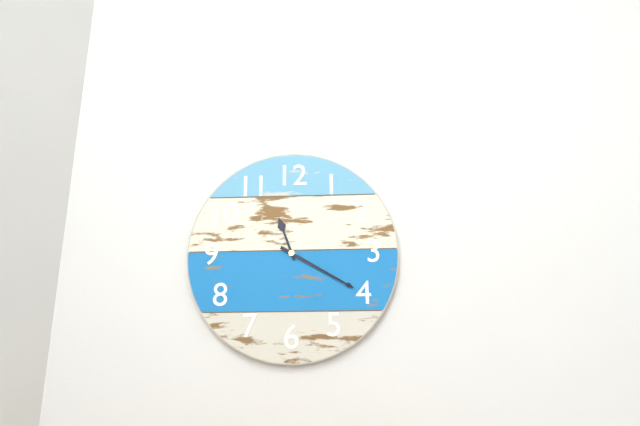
11:20
